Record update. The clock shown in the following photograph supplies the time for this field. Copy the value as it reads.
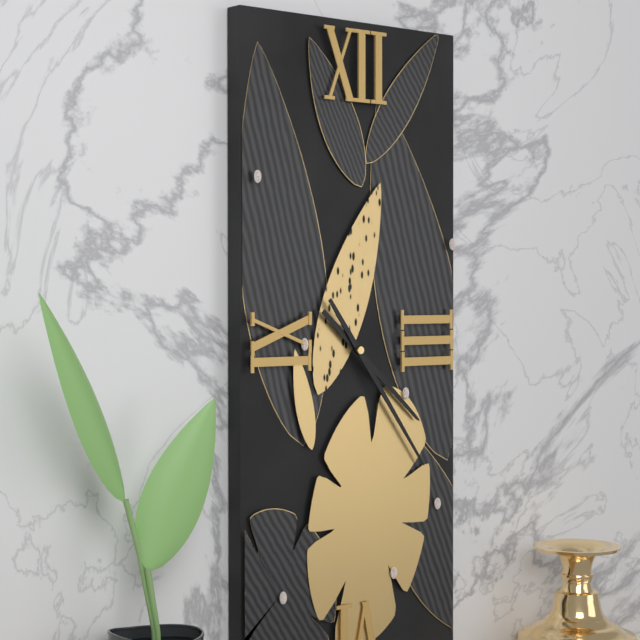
4:24
